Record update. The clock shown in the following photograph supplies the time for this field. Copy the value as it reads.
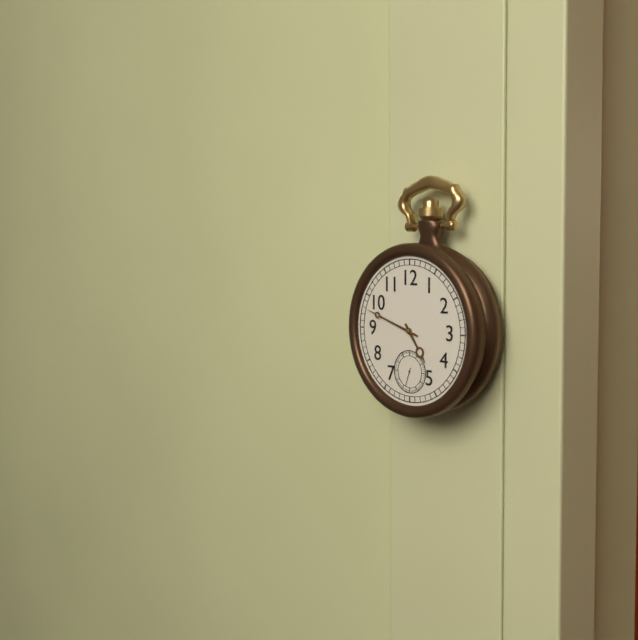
4:48
